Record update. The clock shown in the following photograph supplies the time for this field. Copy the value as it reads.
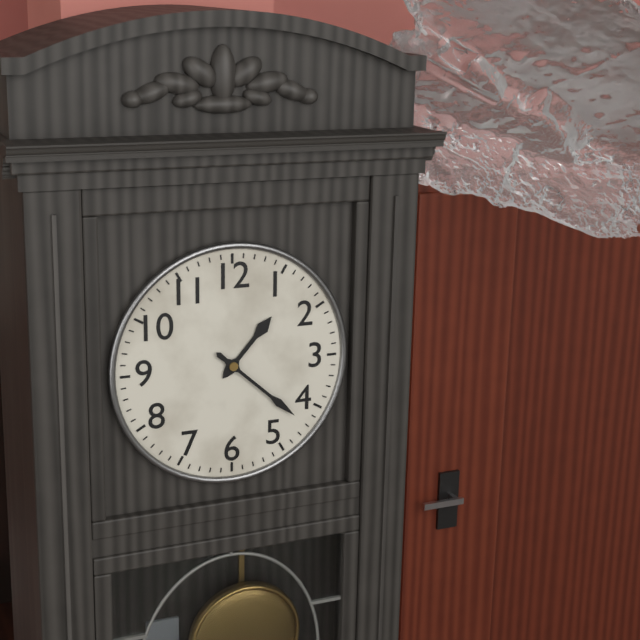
1:22
